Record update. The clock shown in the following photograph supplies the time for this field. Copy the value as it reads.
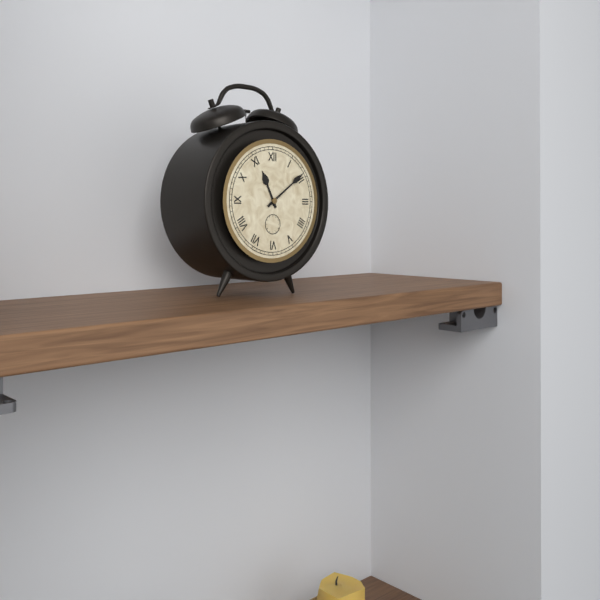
11:09
